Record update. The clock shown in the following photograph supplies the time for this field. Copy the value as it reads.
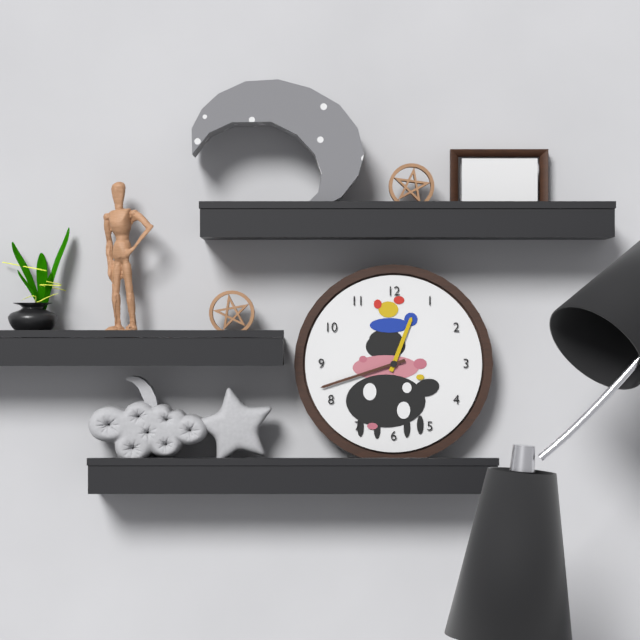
12:42
